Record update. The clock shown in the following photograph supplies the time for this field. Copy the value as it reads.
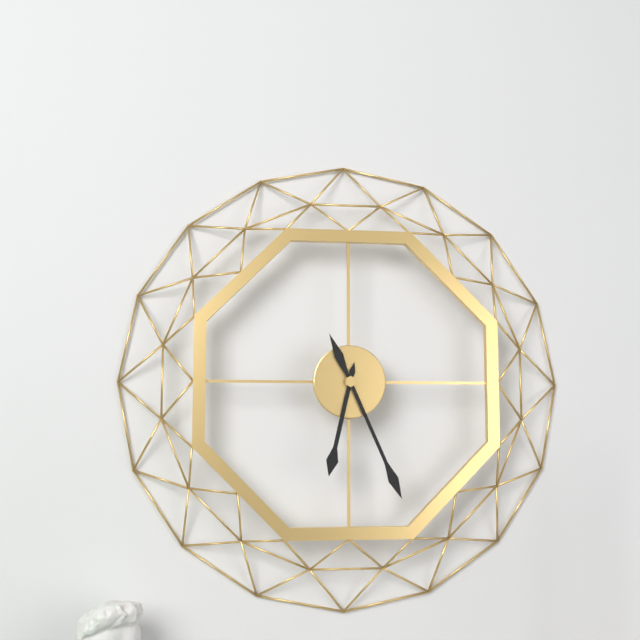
6:26
